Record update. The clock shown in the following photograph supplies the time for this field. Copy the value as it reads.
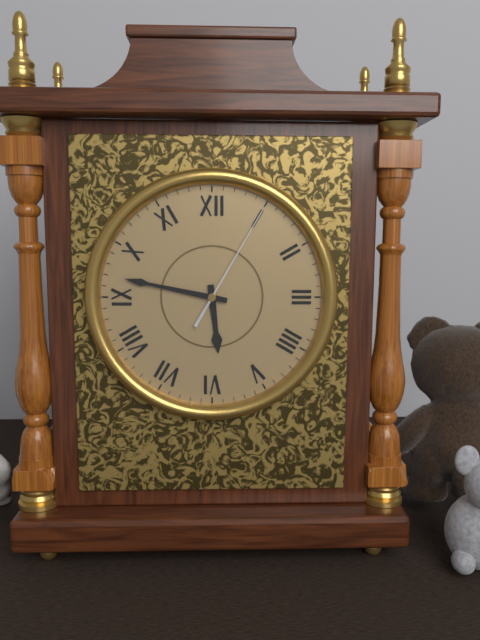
5:47:05
